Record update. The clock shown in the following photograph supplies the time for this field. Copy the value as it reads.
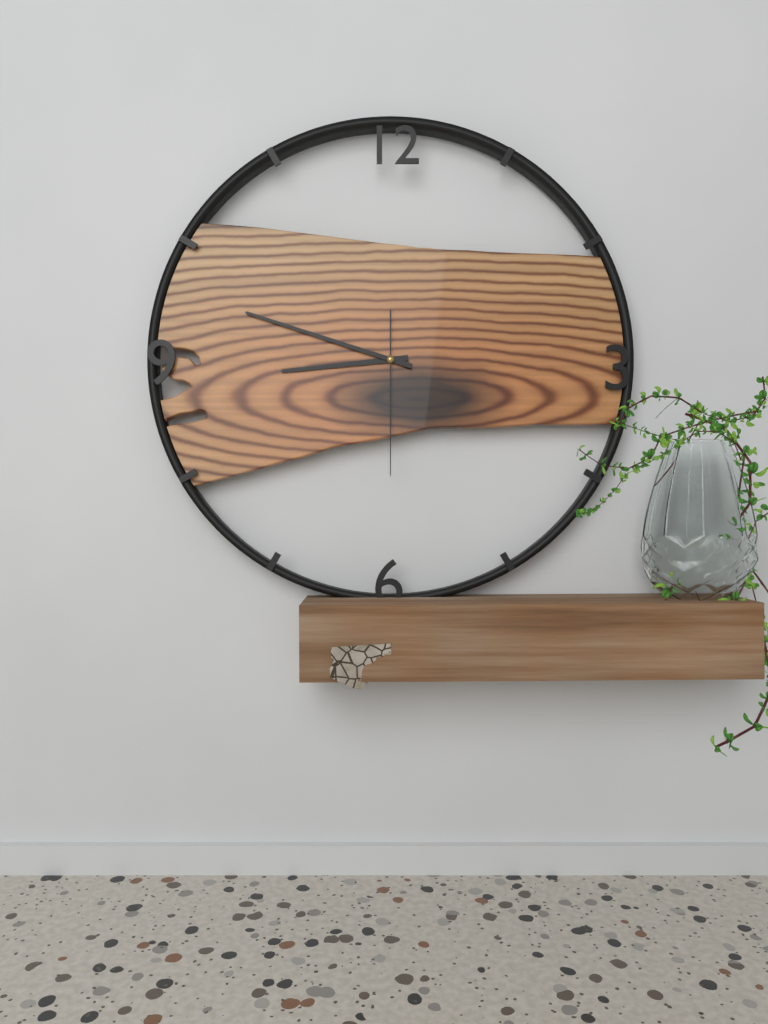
8:48:30
